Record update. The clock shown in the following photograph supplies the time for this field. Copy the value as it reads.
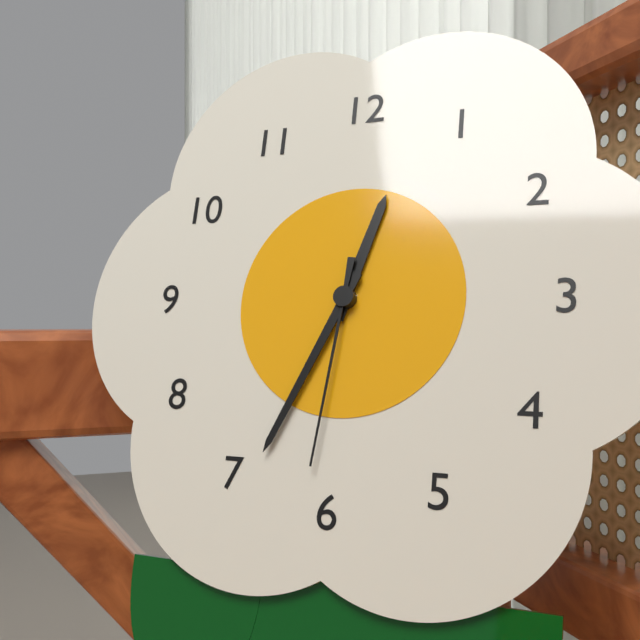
12:34:31
